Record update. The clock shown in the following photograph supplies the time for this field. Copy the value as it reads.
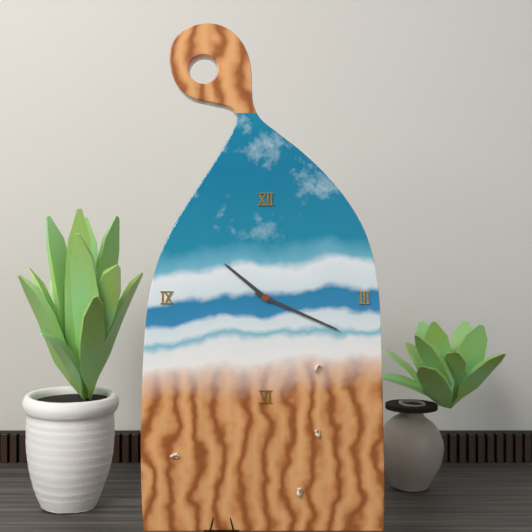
10:19
